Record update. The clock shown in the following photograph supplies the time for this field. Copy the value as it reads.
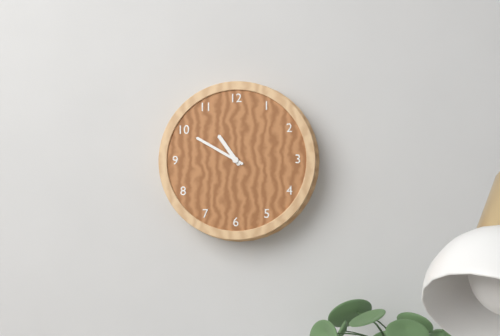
10:50
